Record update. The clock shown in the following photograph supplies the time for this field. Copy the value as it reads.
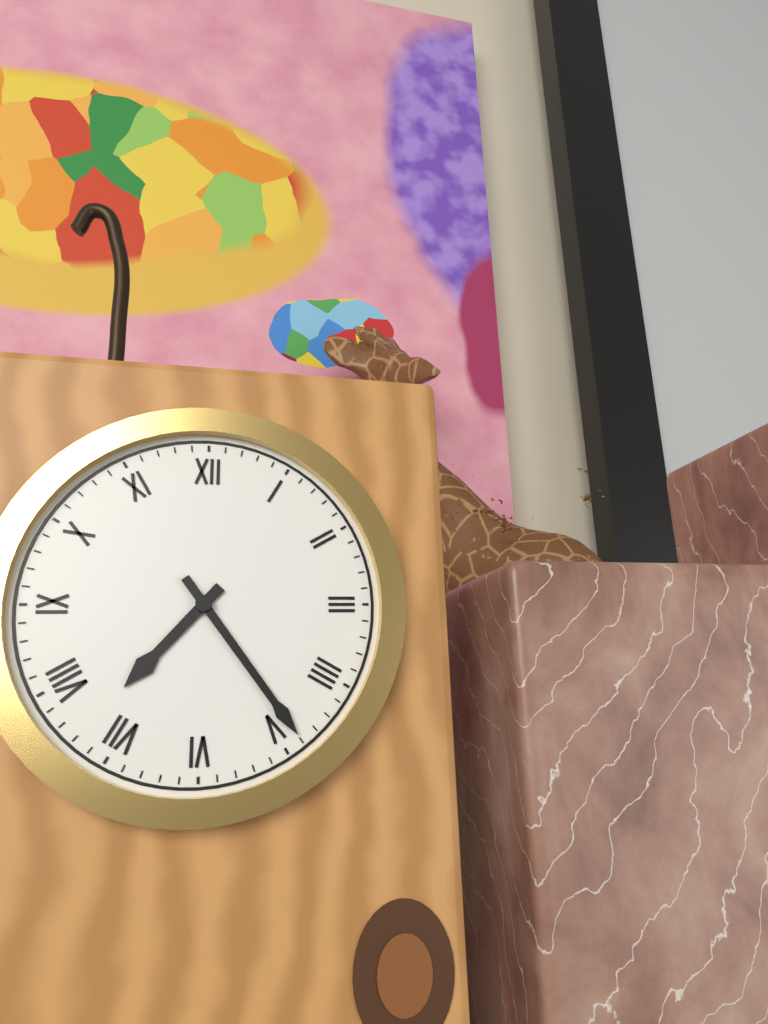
7:24
